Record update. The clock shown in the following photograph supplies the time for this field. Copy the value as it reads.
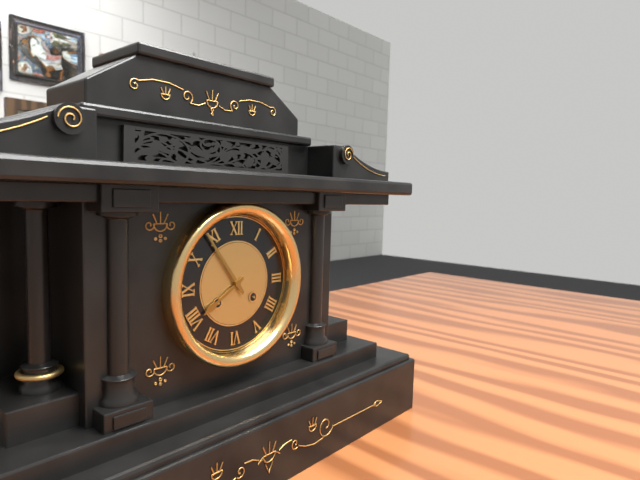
7:54
